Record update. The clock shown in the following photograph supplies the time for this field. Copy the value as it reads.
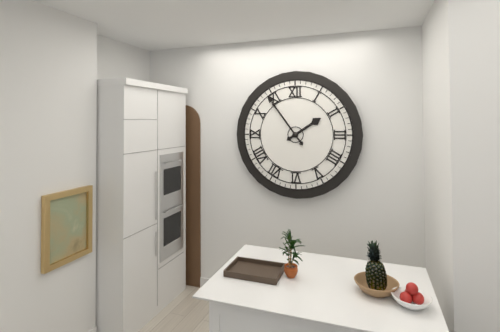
1:54
